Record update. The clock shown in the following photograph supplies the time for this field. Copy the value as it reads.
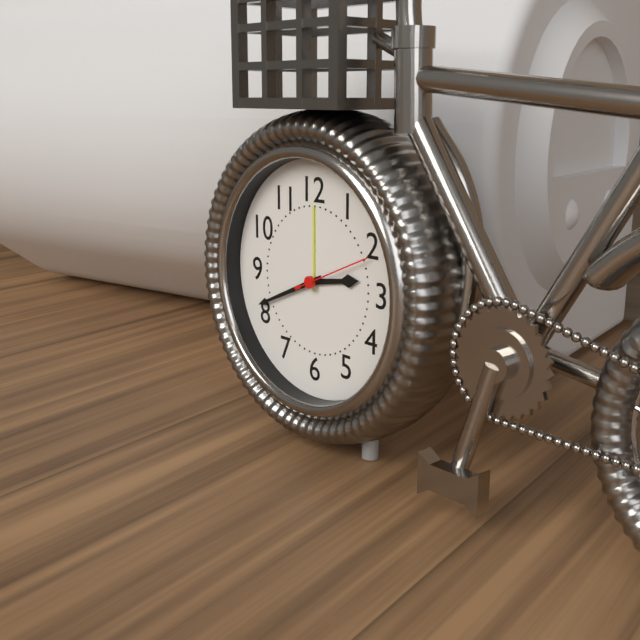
2:41:11
